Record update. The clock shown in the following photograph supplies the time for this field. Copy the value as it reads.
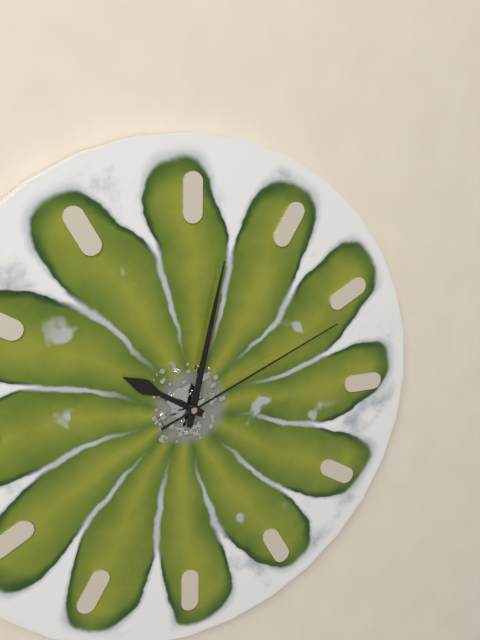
10:02:11
